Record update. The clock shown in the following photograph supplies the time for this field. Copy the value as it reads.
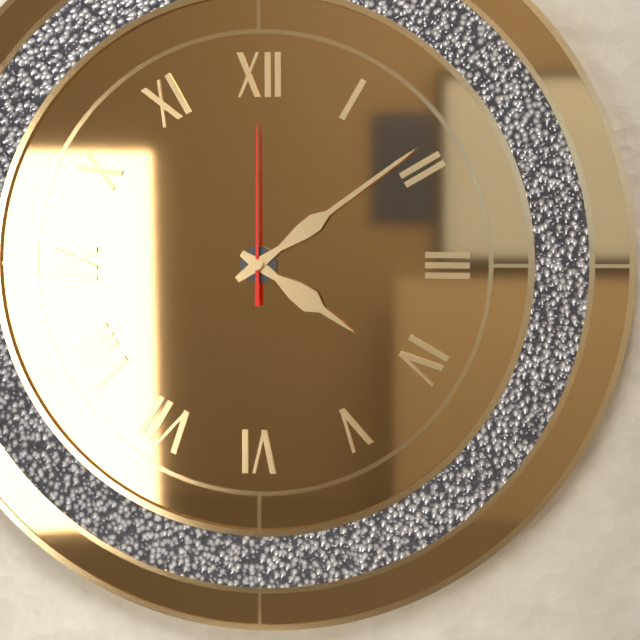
4:09:00
